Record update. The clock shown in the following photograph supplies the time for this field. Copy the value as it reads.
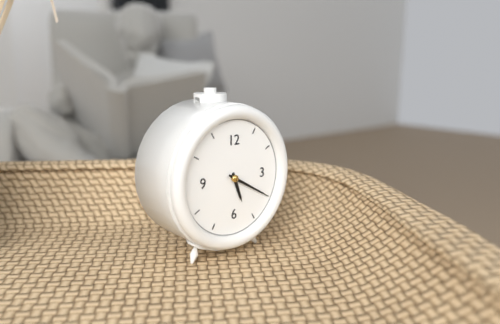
5:20
